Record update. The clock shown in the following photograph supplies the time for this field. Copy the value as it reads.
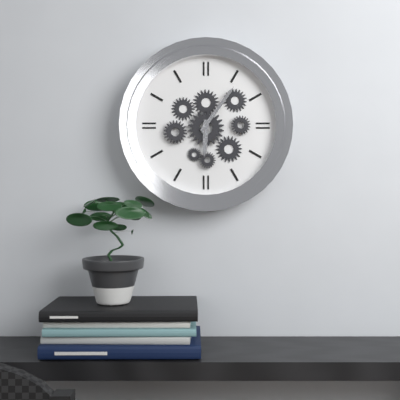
6:06
